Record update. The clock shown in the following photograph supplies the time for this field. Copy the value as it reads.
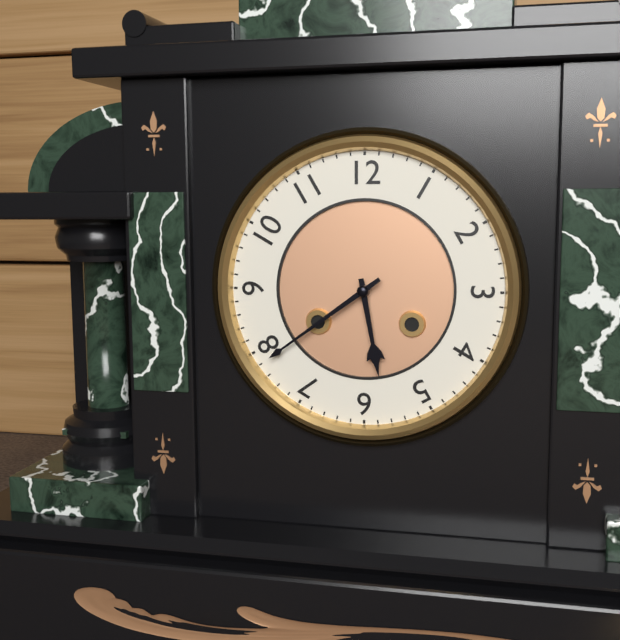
5:39
